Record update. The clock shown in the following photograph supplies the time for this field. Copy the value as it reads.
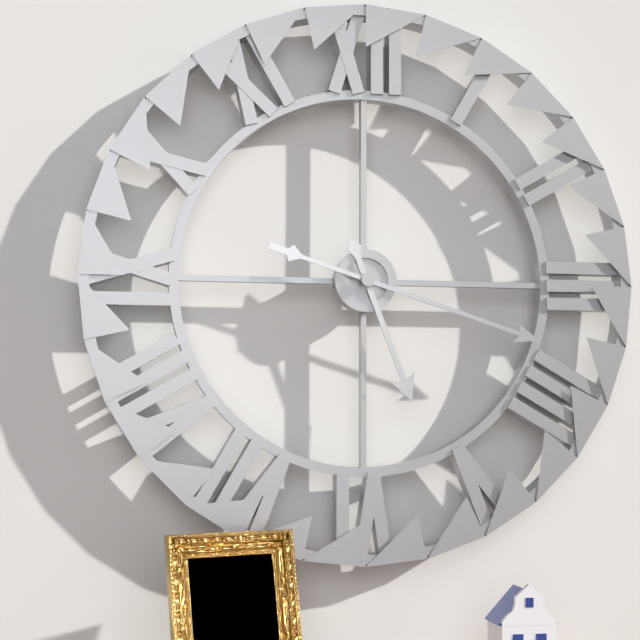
5:18
